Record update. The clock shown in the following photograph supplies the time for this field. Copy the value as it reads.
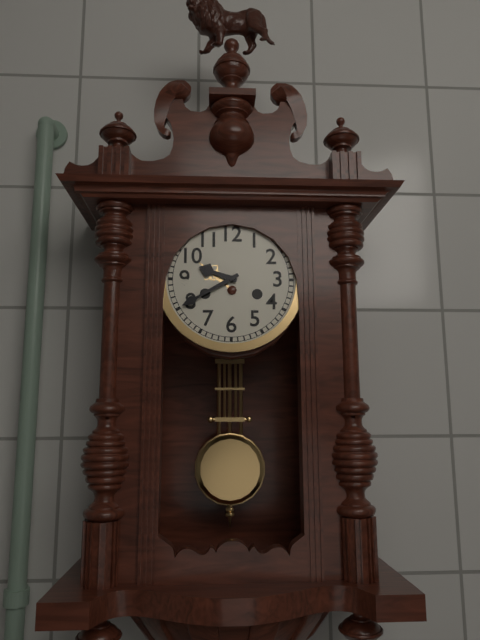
9:40
